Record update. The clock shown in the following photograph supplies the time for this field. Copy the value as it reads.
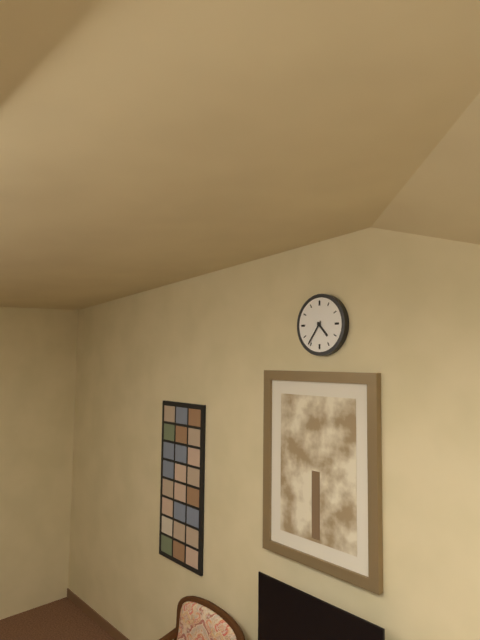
4:36
